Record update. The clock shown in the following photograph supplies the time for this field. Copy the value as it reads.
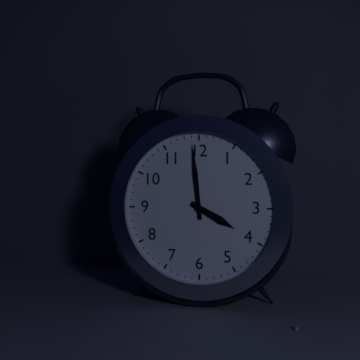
3:59
